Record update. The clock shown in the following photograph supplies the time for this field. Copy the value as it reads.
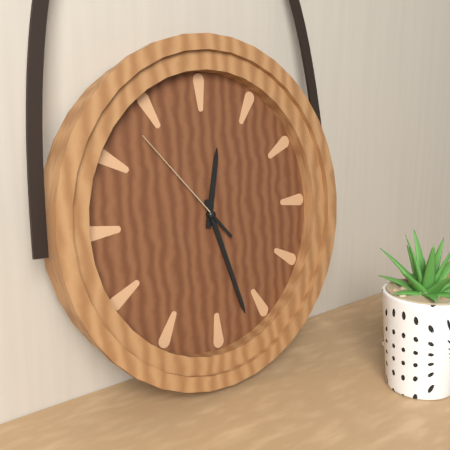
12:27:53
